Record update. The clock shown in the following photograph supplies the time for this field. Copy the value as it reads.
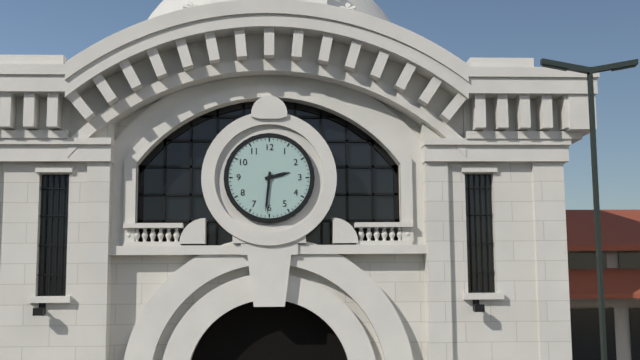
2:31
